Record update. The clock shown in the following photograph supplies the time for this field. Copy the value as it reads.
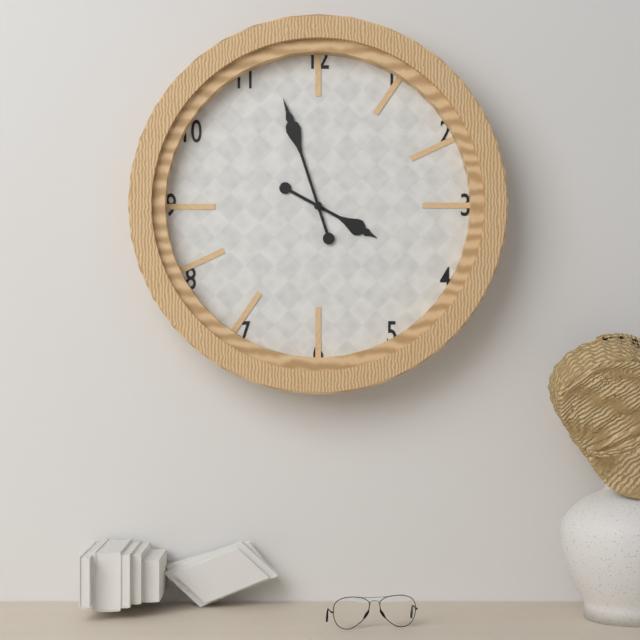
3:57
